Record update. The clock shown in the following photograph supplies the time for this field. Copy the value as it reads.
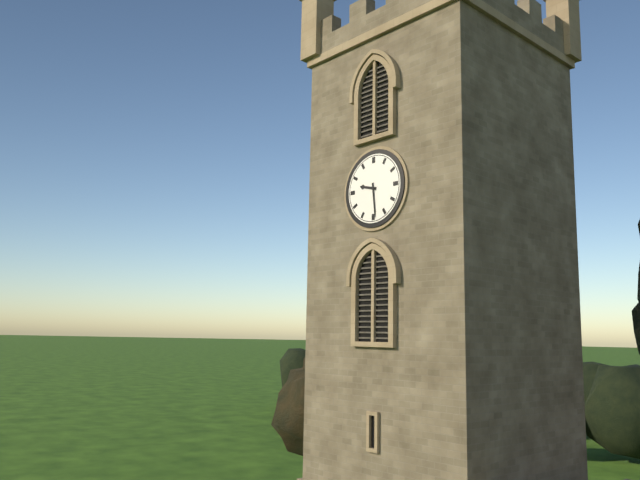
9:29
